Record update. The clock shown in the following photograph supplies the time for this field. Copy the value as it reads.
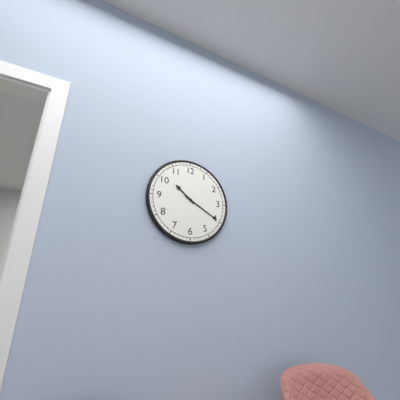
10:20
